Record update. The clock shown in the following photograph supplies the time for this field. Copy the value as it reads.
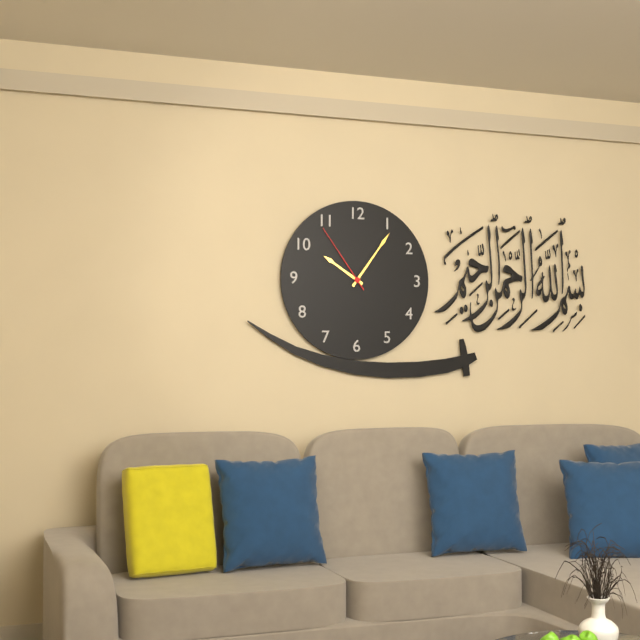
10:06:54
